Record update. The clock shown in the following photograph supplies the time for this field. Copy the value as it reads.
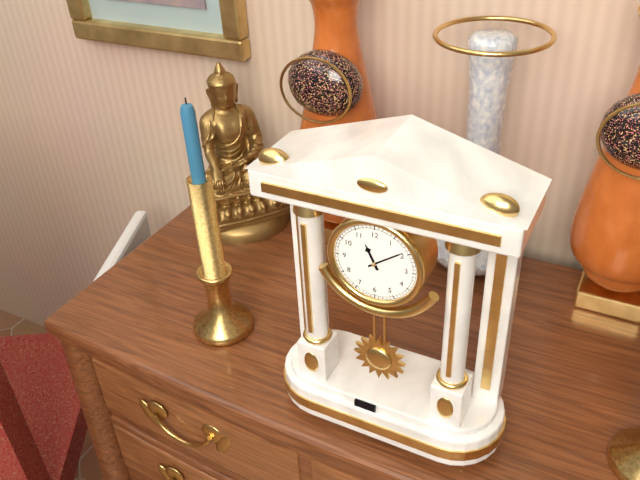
11:09
